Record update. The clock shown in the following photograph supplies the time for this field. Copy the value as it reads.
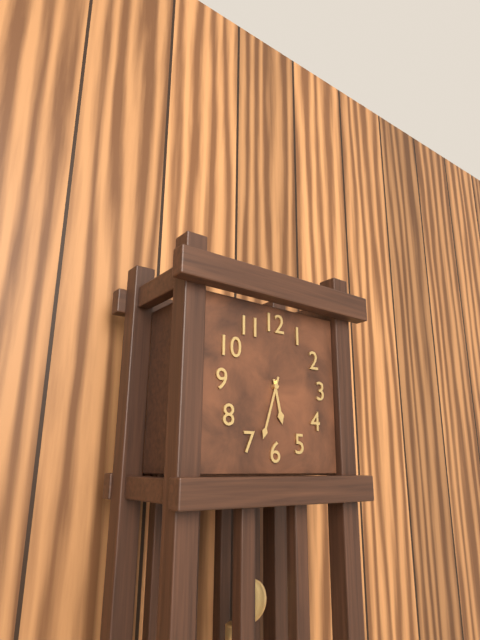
5:33
